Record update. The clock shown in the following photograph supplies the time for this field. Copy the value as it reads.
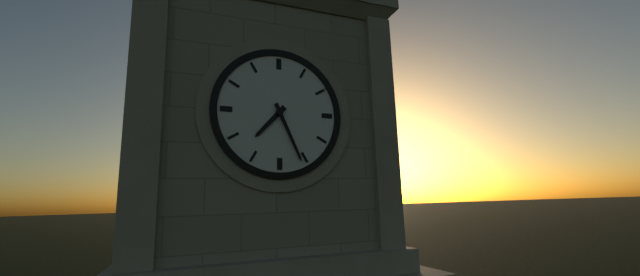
7:26
